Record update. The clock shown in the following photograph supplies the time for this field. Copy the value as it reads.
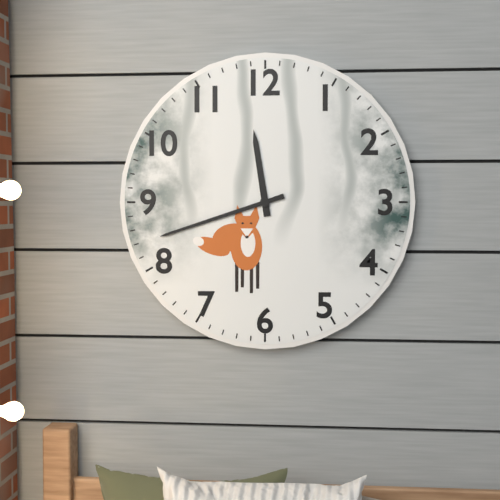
11:42
